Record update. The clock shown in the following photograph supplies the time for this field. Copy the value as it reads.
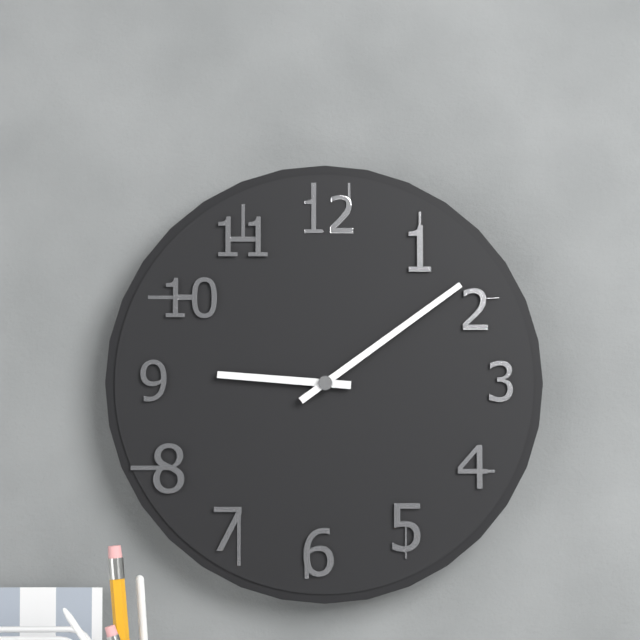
9:09
